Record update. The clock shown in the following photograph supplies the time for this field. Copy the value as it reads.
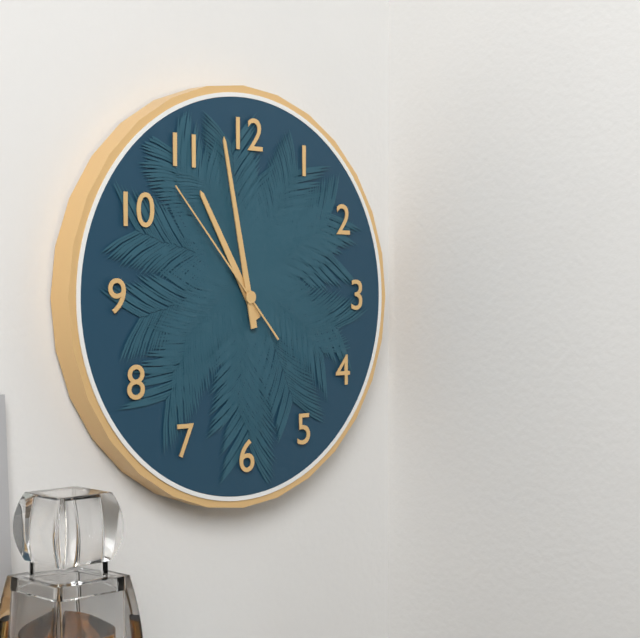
10:58:53
